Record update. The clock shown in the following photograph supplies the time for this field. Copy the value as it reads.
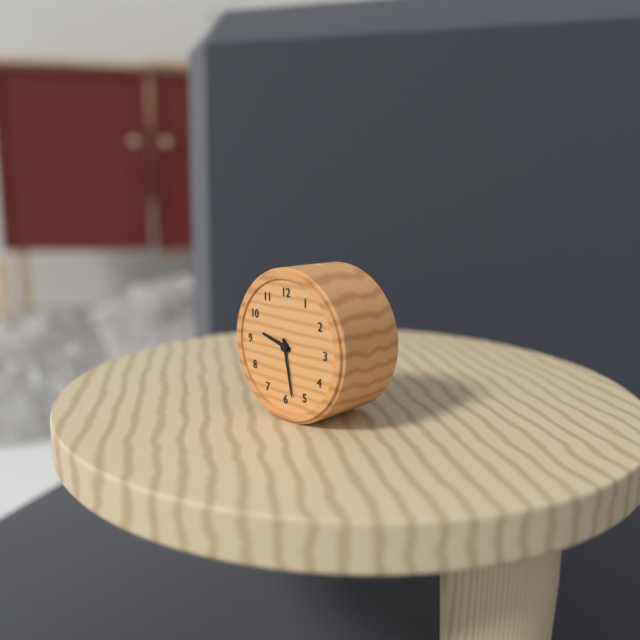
9:28
